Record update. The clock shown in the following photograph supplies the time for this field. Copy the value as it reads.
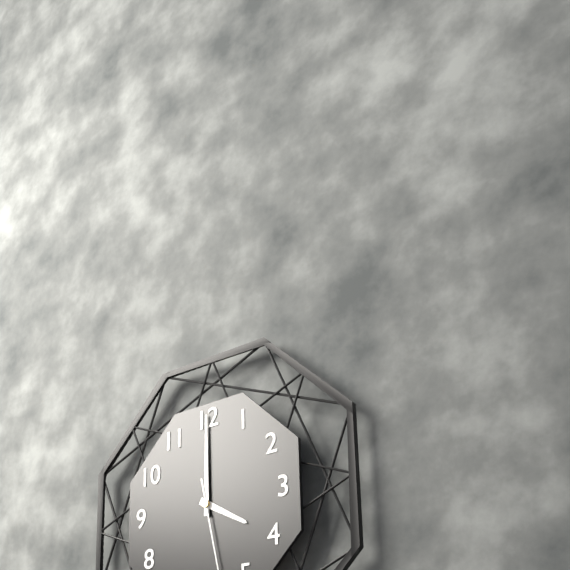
4:00
